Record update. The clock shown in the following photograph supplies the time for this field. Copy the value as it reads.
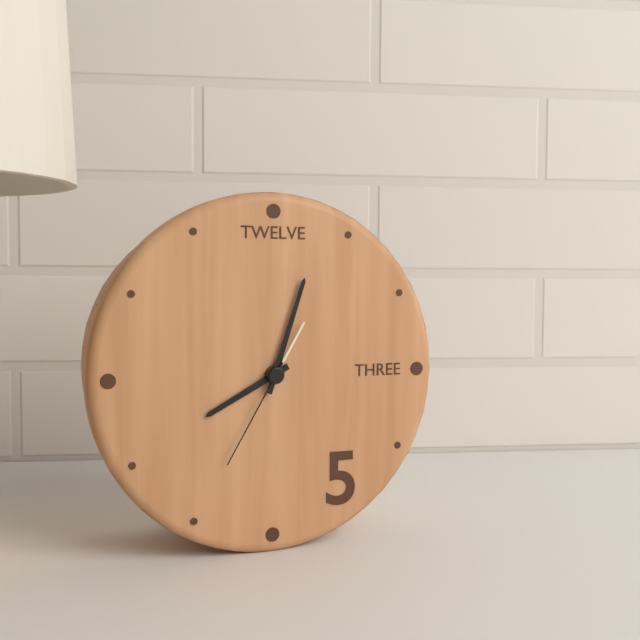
8:03:35
